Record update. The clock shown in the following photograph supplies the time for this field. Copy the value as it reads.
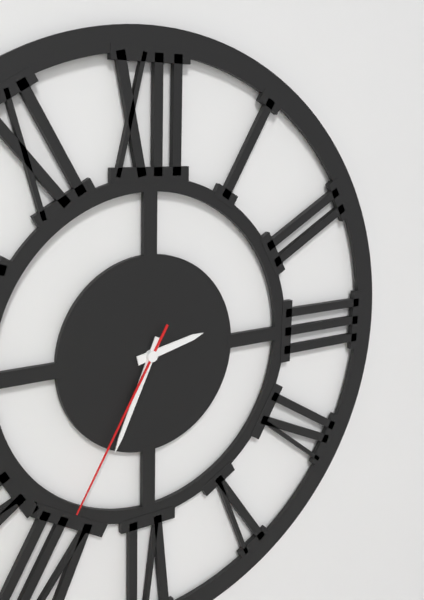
2:34:35
